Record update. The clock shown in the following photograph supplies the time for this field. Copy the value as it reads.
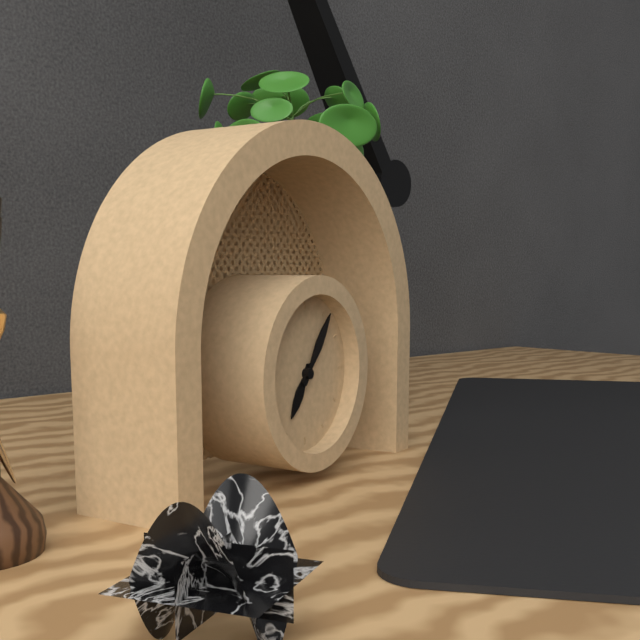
7:06
